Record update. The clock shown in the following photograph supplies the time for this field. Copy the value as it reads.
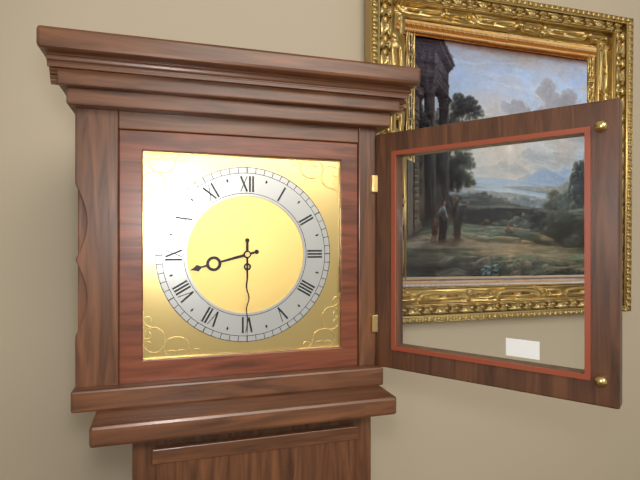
8:30
